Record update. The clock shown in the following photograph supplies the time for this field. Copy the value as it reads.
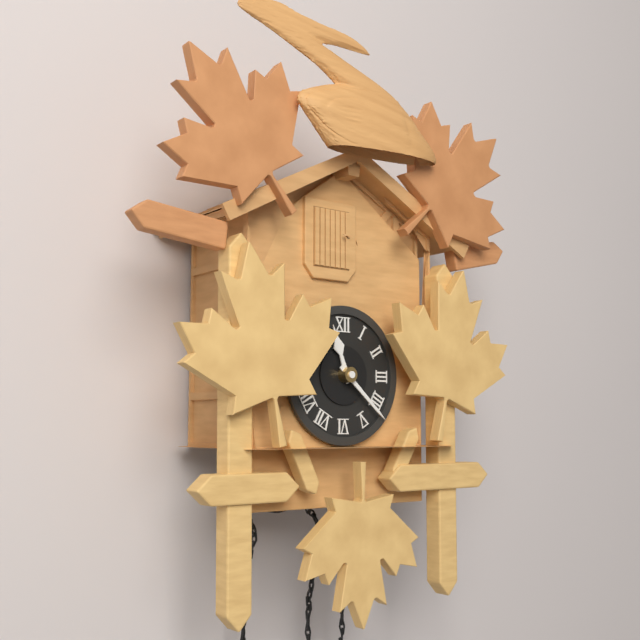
11:22
